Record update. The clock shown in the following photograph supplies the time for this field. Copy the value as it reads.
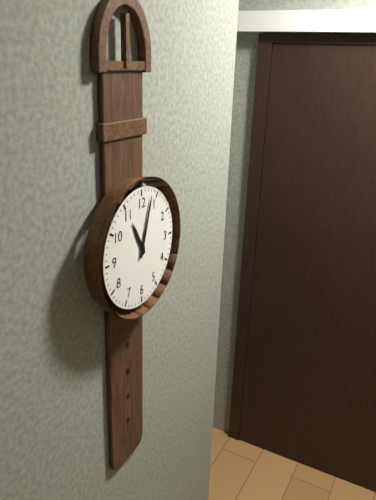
11:03
